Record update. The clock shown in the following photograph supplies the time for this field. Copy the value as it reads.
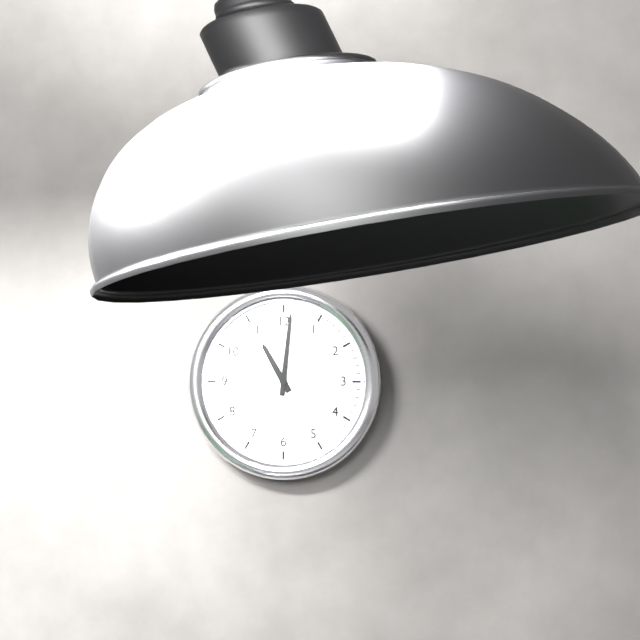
11:01
